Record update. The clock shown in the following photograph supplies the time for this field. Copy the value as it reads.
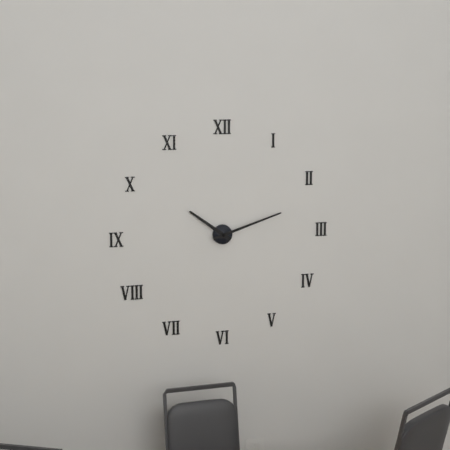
10:12
